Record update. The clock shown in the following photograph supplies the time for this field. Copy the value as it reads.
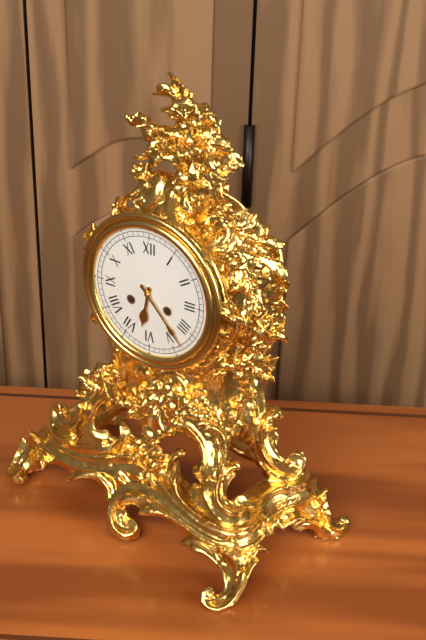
6:23
